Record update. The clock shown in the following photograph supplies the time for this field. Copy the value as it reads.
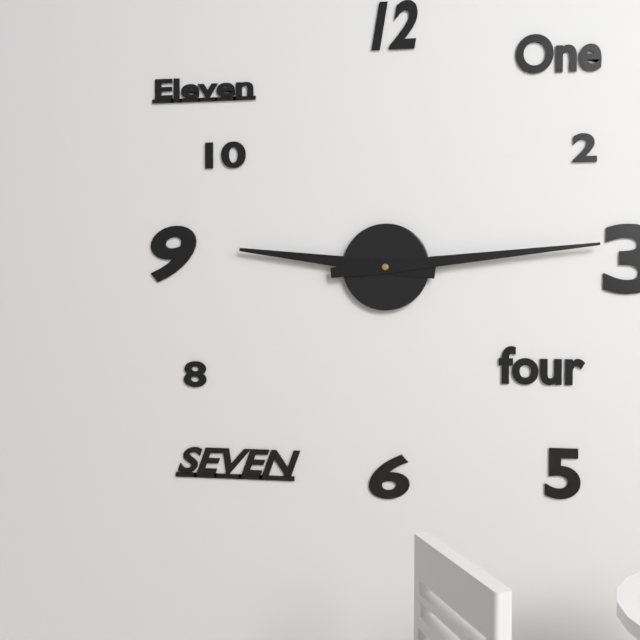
9:14
